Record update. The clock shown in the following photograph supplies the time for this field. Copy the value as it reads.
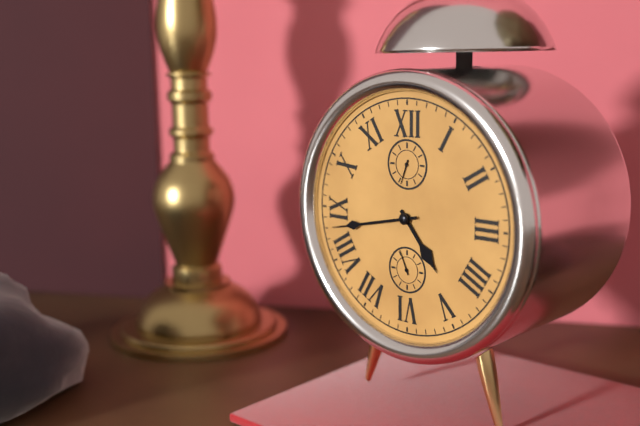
4:43
